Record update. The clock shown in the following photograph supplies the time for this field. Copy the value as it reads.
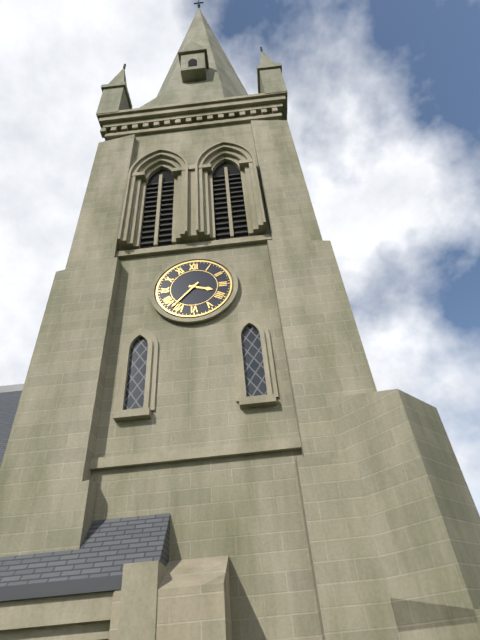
3:37
